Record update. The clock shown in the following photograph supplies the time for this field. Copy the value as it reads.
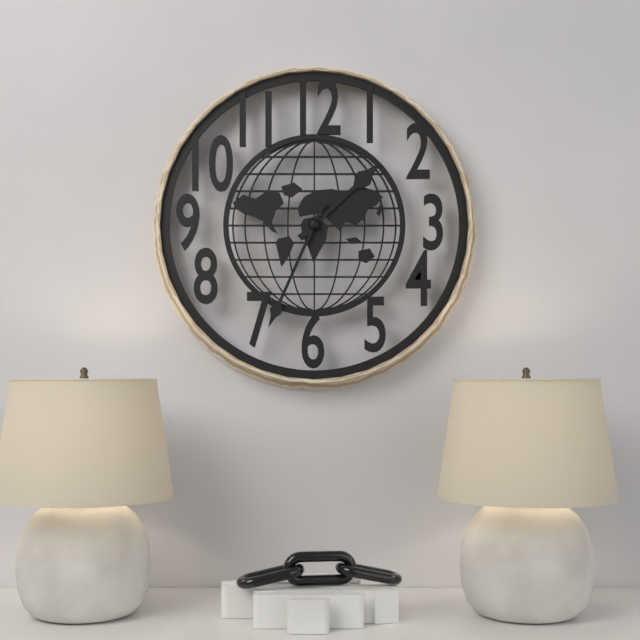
1:34
